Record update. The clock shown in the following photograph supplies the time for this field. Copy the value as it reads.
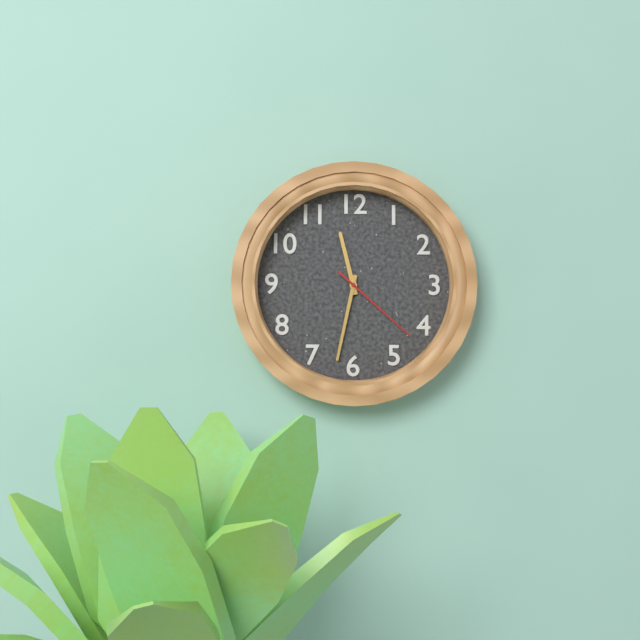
11:32:22
